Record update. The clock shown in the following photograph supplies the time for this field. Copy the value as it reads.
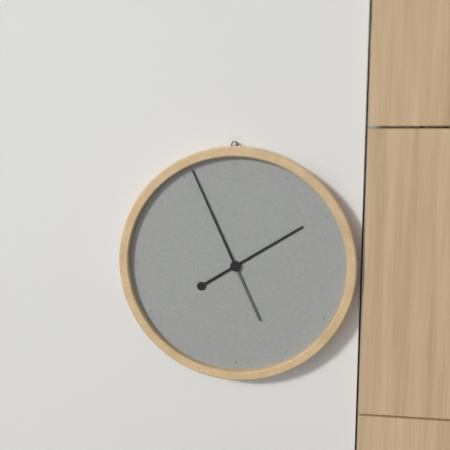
1:56
